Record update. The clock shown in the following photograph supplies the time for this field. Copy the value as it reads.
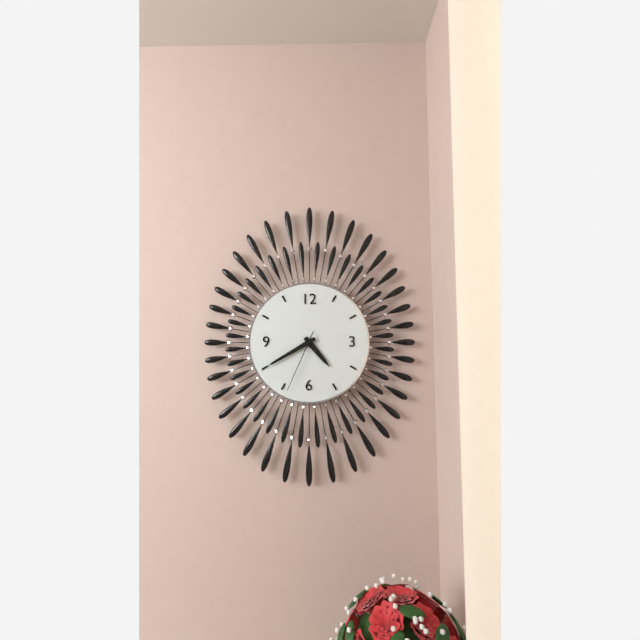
4:40:34
